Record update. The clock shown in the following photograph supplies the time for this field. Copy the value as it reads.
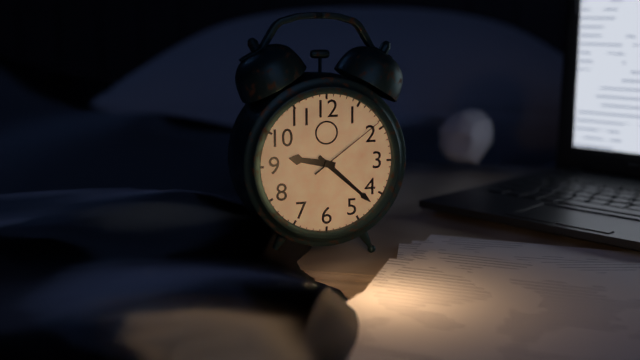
9:22:09
